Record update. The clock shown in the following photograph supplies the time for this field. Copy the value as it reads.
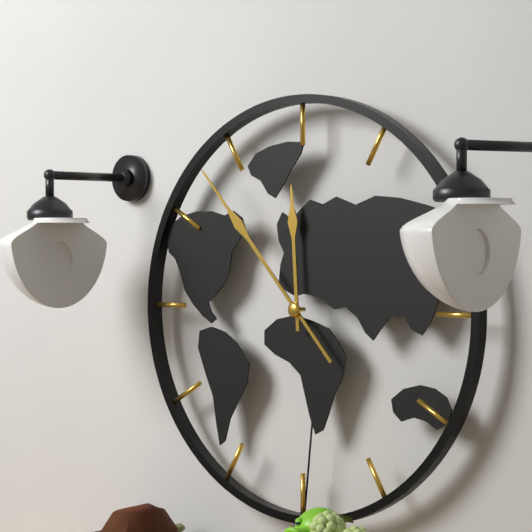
11:53
